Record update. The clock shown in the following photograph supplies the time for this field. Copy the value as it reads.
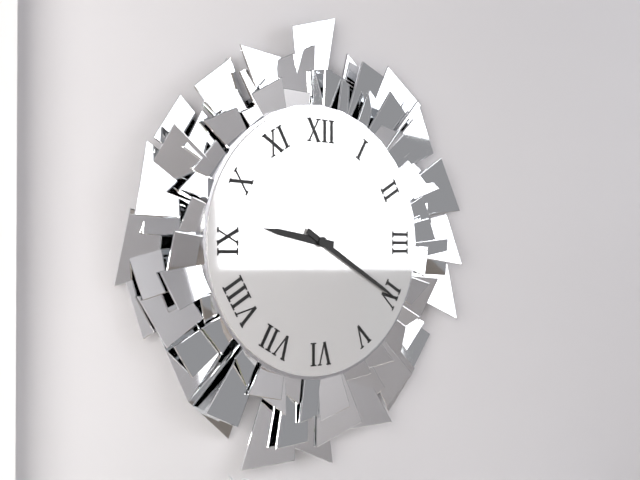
9:20
